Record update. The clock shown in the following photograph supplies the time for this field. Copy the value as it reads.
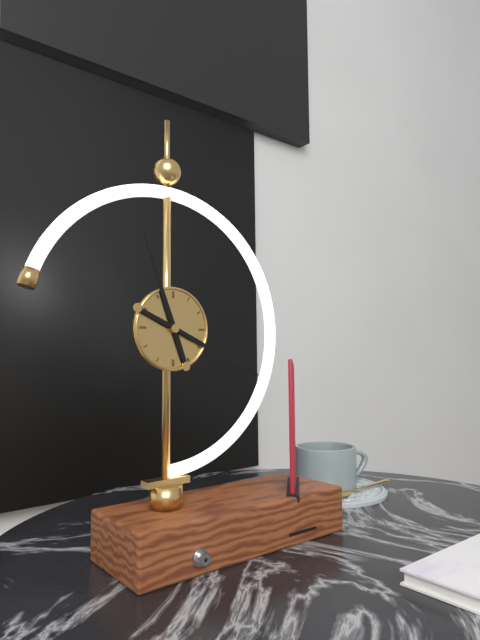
11:19
